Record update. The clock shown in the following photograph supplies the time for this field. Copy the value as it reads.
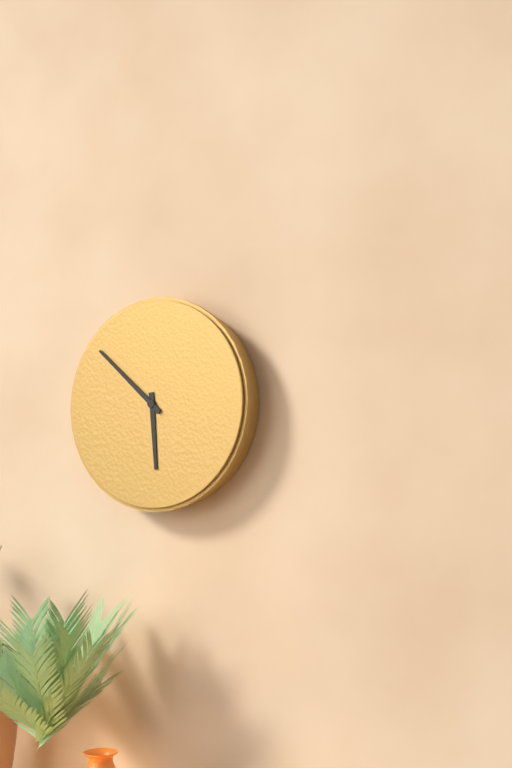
5:52
